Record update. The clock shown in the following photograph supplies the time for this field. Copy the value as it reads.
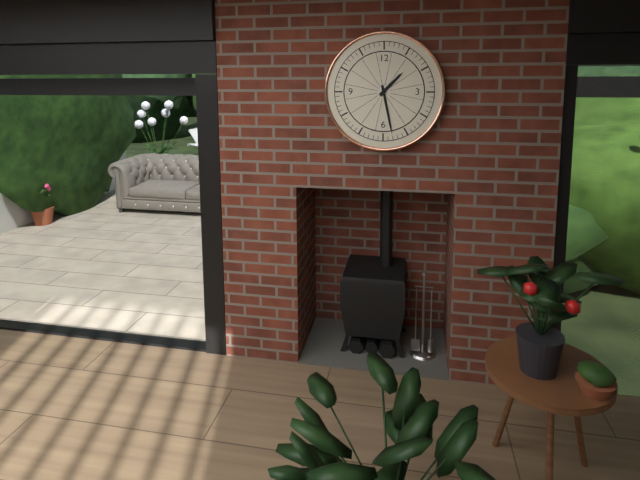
1:28
